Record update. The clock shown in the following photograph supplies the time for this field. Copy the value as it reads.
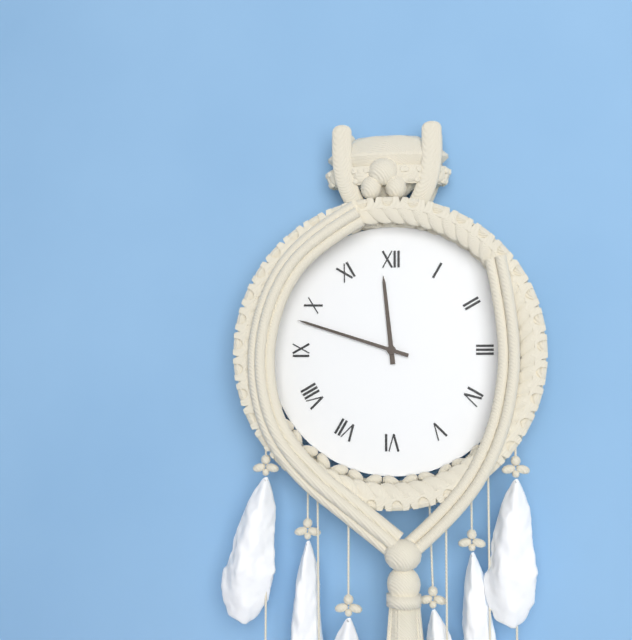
11:48
